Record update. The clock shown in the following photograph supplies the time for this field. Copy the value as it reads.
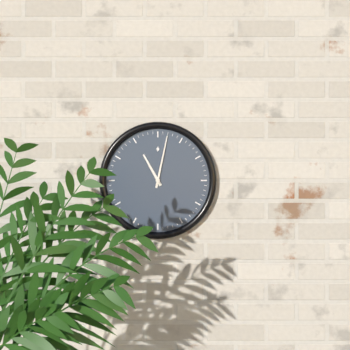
11:02
